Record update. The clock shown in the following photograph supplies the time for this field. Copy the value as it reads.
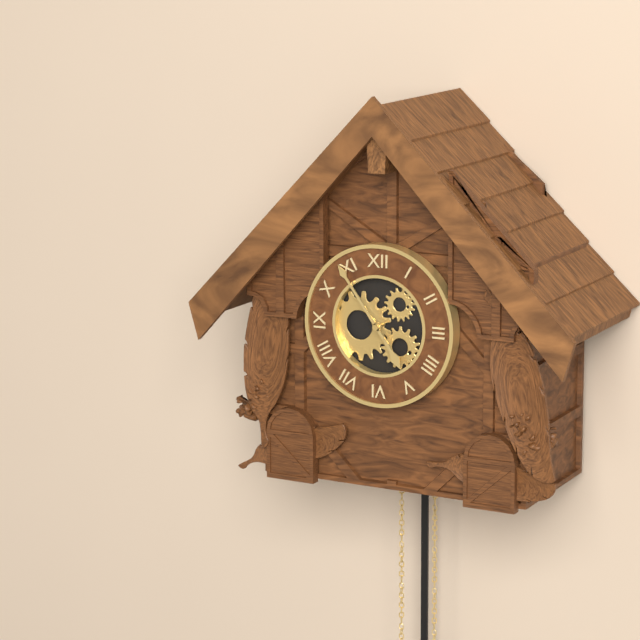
4:54
